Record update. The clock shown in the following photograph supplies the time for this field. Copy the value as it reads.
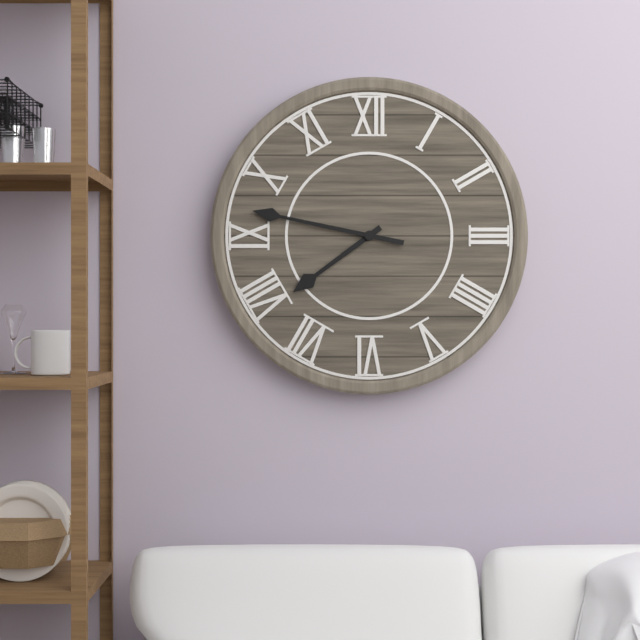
7:47
